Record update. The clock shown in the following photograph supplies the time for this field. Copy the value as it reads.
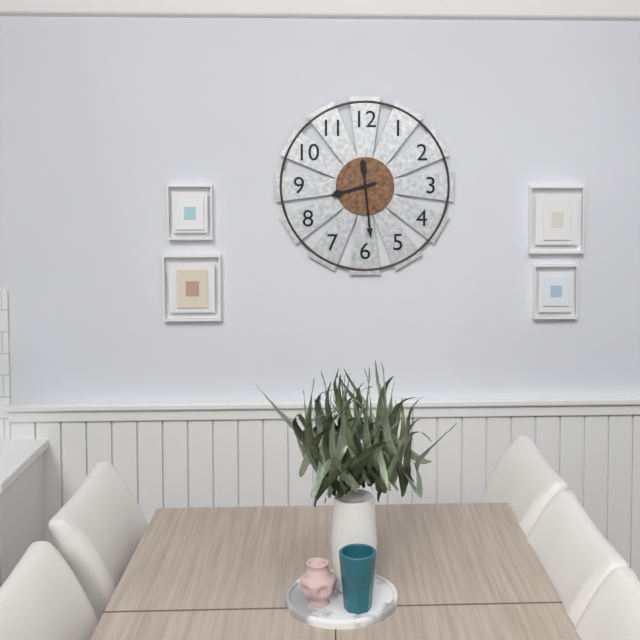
8:29
